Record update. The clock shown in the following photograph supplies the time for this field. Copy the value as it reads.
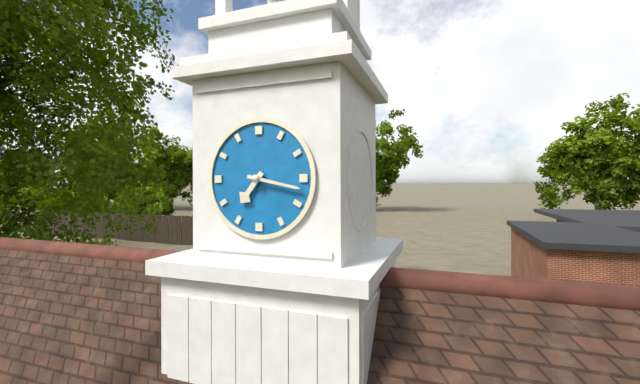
7:17
